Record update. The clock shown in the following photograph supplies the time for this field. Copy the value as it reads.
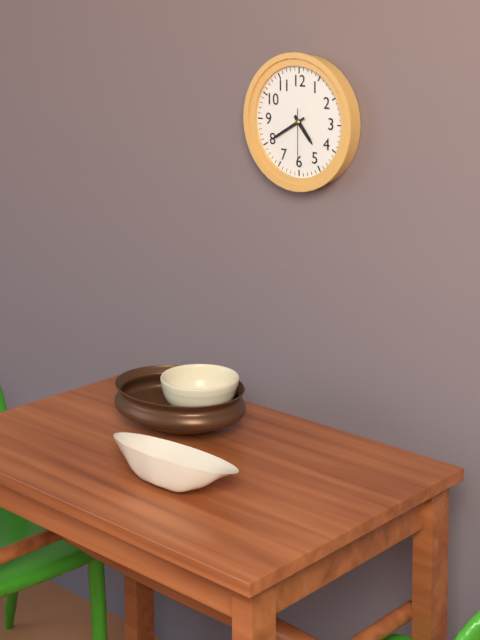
4:40:30
